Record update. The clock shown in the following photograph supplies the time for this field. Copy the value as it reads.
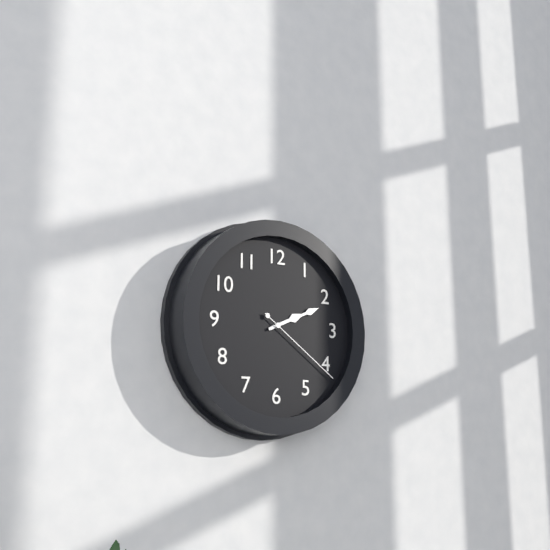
2:11:21
